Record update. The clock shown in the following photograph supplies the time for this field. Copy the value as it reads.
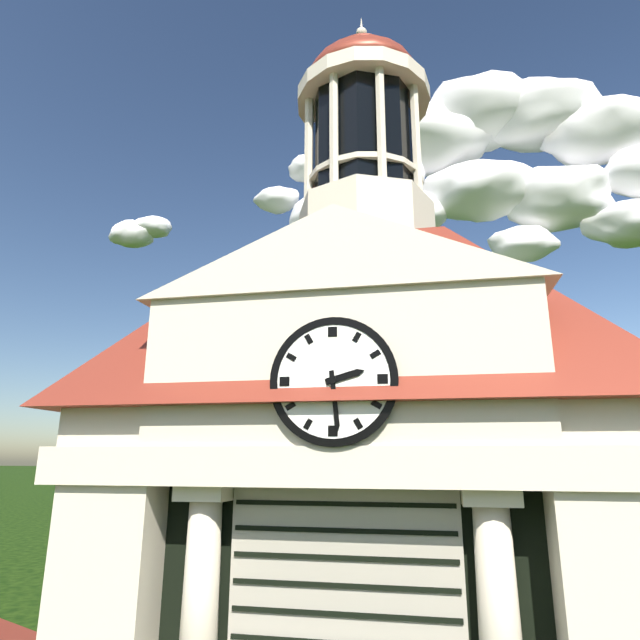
2:29
